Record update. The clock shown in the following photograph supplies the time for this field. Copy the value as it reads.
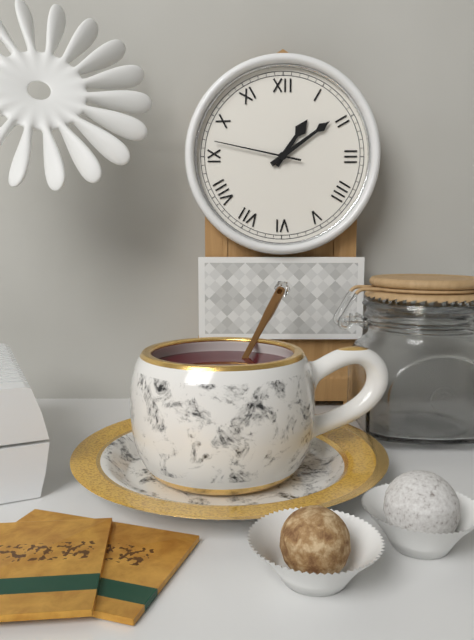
1:09:47
